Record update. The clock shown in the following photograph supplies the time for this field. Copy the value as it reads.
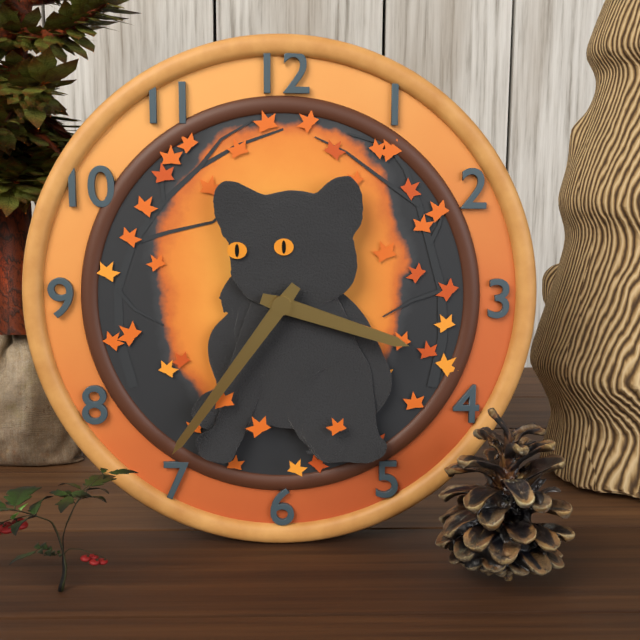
3:36
